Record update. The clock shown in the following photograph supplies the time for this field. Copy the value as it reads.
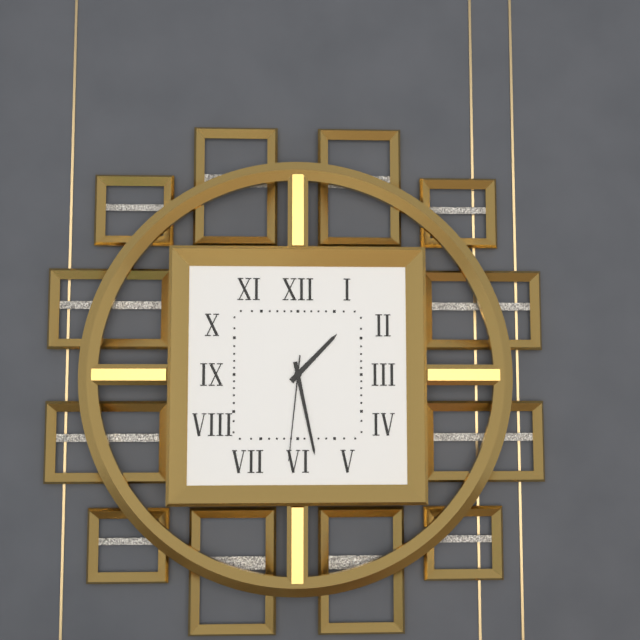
1:28:31
